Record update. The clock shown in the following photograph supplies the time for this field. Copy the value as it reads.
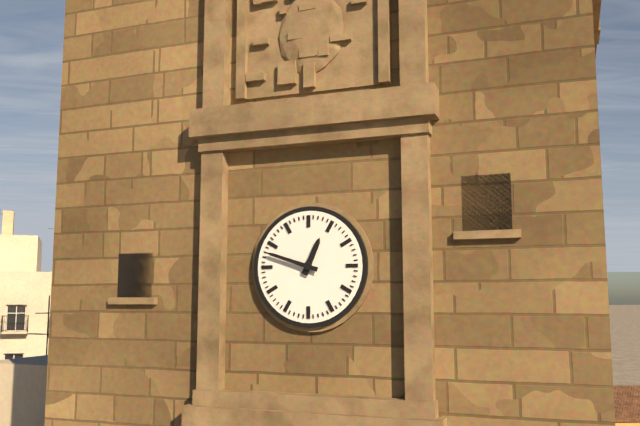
12:48
